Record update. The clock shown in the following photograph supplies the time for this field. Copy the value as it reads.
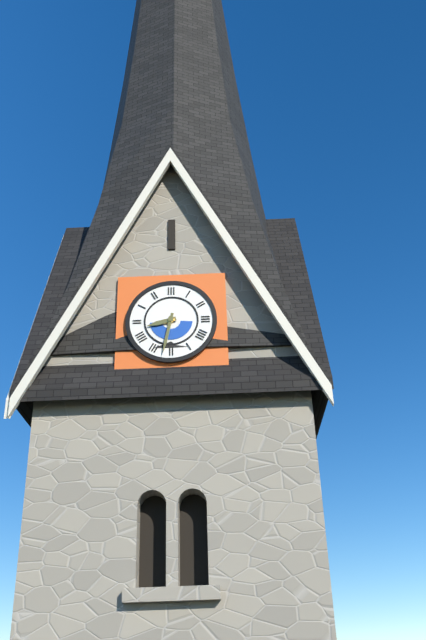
8:32
